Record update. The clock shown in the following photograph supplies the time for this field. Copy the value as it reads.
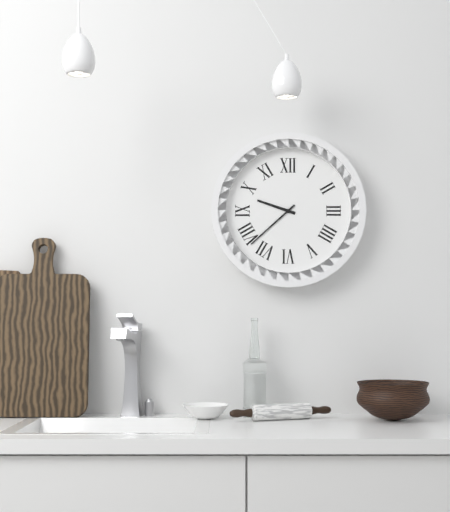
9:38
